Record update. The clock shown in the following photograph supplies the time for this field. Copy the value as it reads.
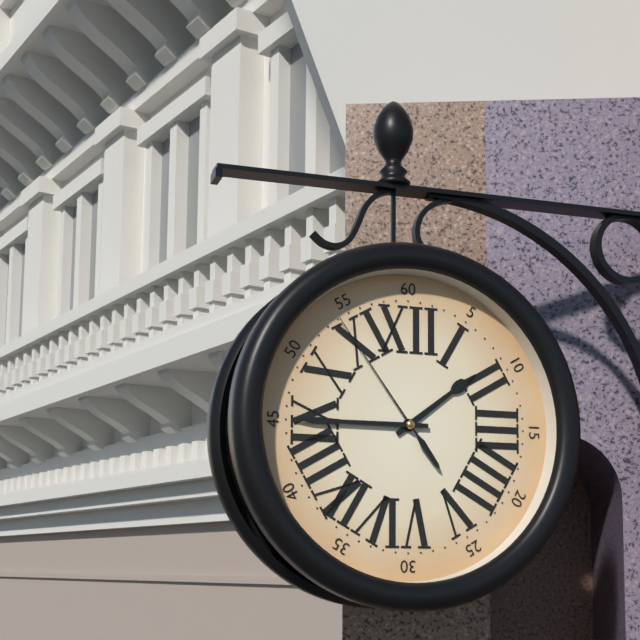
1:45:54
